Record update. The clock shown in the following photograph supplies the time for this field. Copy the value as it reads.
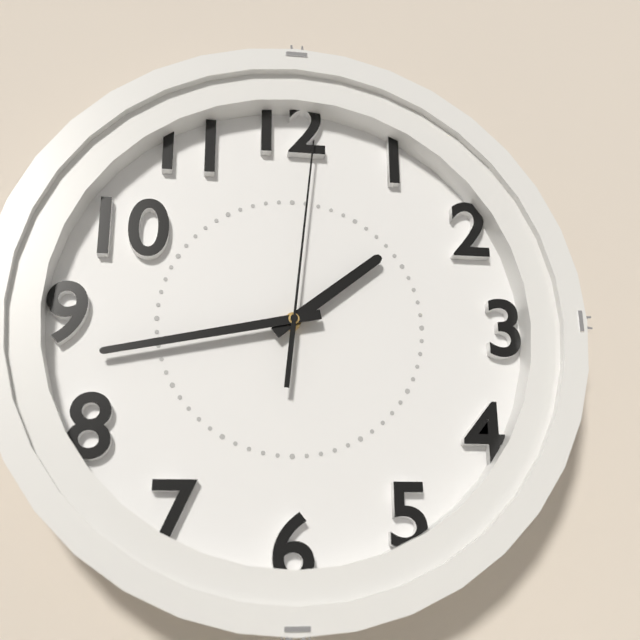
1:43:01
